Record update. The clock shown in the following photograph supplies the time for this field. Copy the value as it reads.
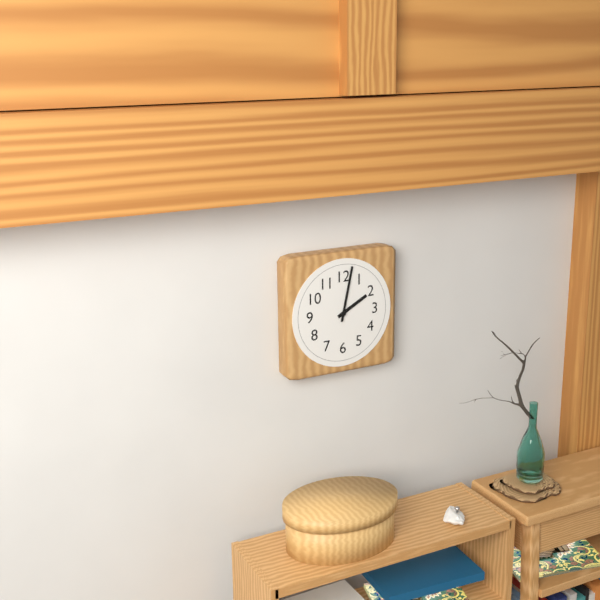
2:02
